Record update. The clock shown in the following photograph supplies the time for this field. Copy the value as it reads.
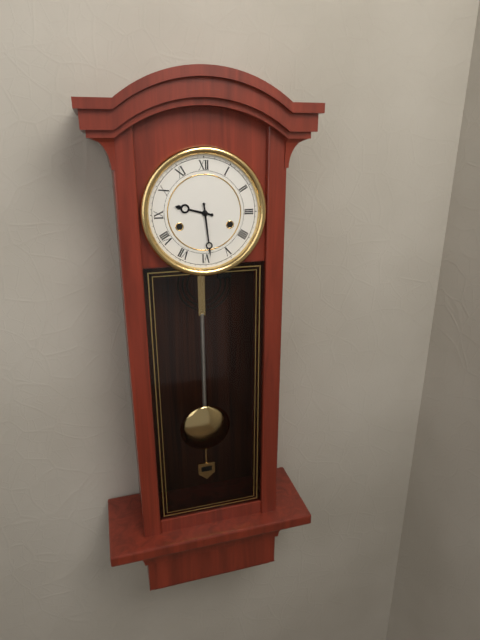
9:29
